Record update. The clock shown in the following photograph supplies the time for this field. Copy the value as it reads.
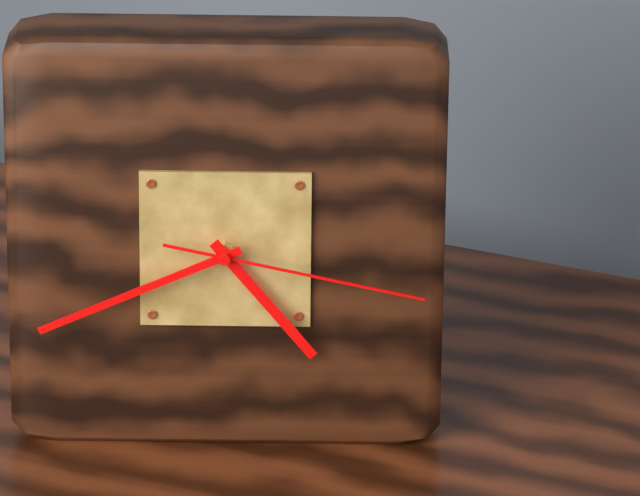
4:41:17
